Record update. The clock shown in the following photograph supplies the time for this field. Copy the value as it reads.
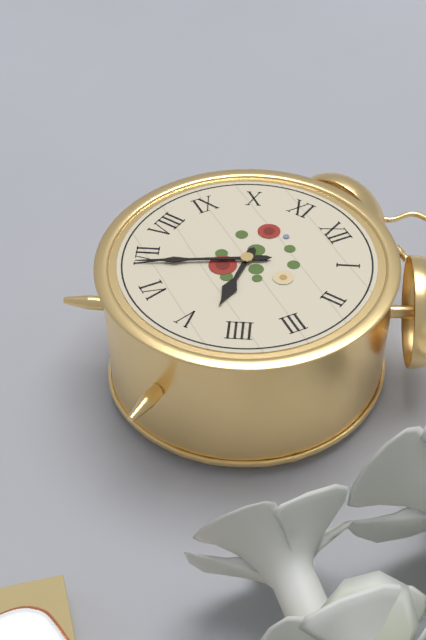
4:34
